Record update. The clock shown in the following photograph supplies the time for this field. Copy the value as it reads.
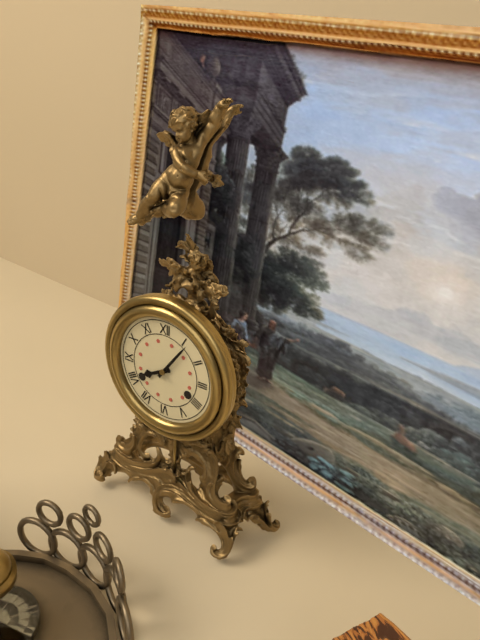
8:06
